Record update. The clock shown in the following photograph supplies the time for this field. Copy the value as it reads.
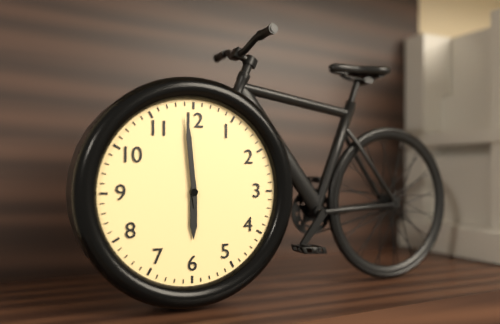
5:59
